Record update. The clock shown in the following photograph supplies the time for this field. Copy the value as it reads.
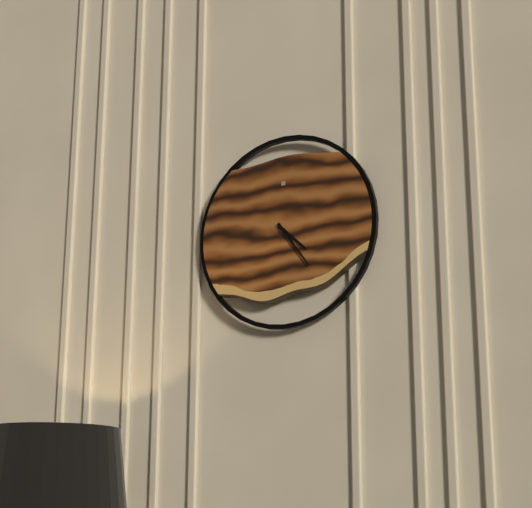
4:24
